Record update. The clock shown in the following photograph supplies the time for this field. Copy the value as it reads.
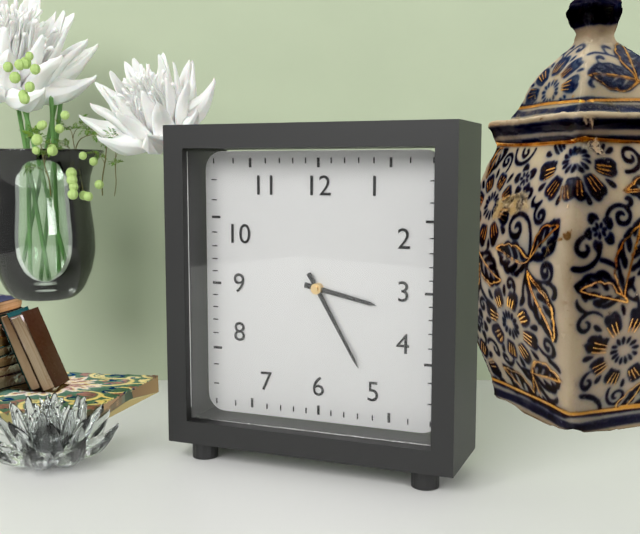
3:25
